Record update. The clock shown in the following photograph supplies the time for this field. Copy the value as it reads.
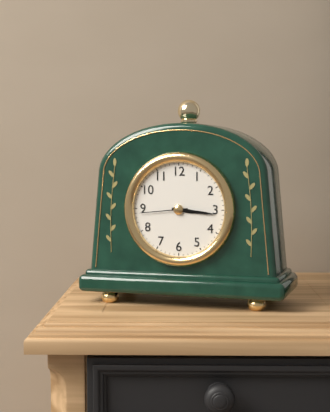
3:16:44
